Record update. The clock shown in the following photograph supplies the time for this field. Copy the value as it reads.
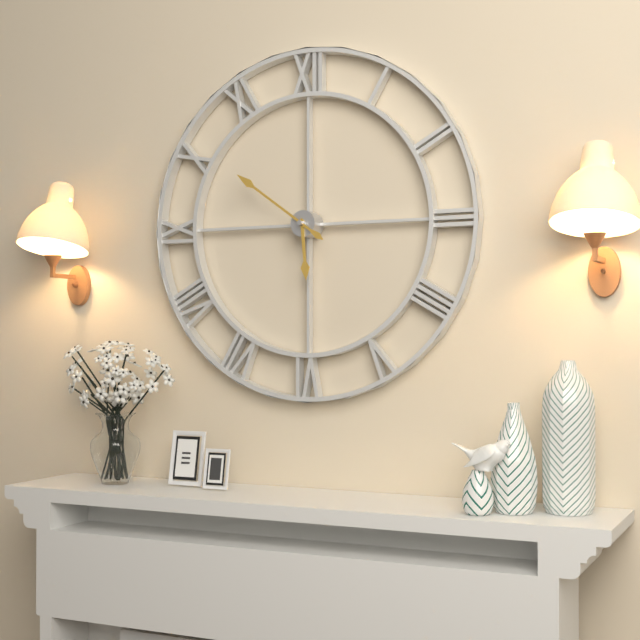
5:51
